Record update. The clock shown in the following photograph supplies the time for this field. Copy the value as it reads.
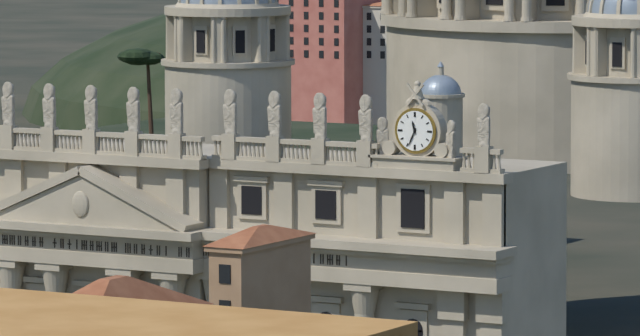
11:34
